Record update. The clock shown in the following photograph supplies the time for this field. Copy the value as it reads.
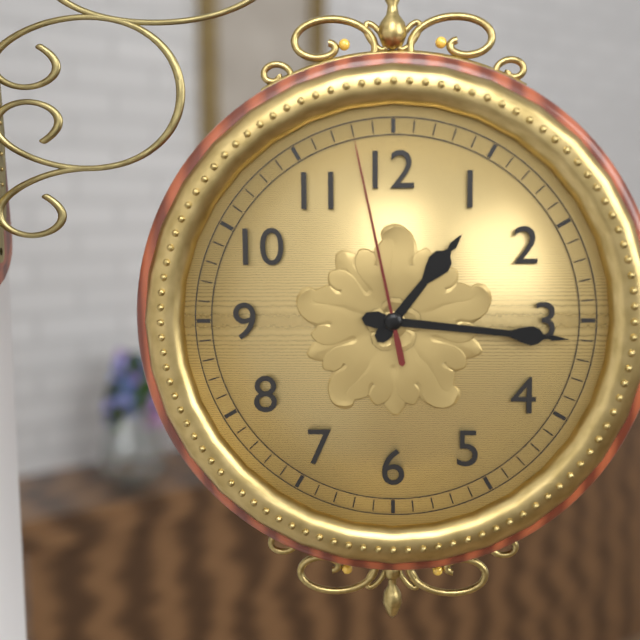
1:16:58
